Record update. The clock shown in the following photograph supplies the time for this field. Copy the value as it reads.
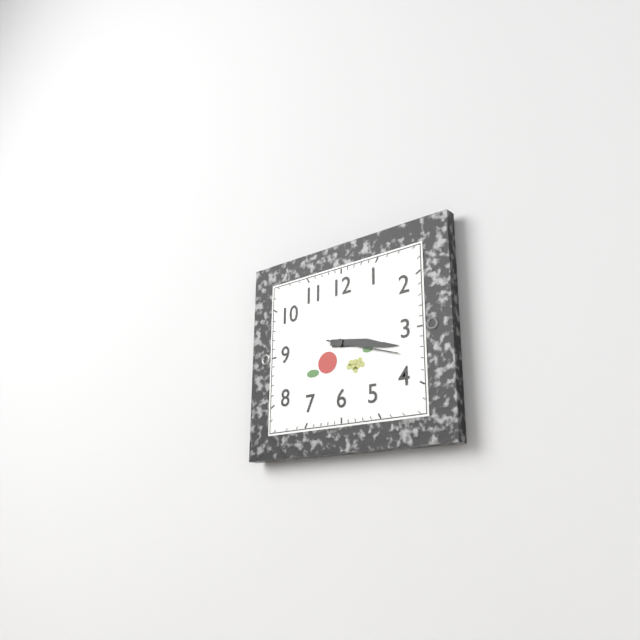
3:17:18
